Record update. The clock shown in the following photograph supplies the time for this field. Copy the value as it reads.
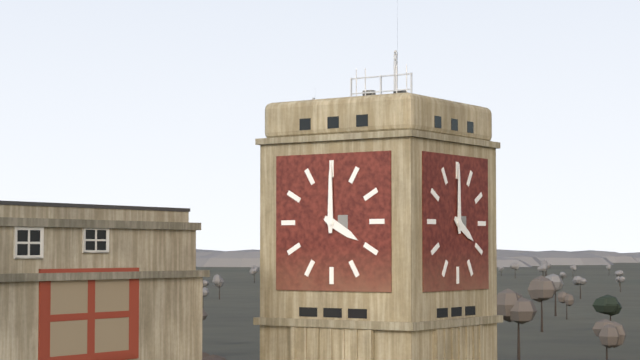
4:00
